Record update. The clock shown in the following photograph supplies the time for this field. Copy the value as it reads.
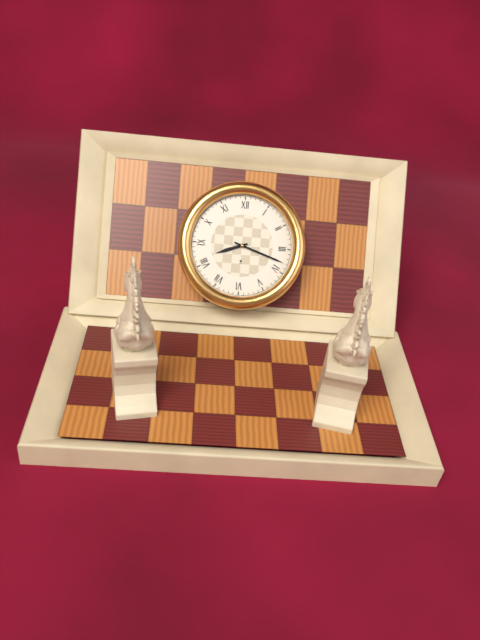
8:18
